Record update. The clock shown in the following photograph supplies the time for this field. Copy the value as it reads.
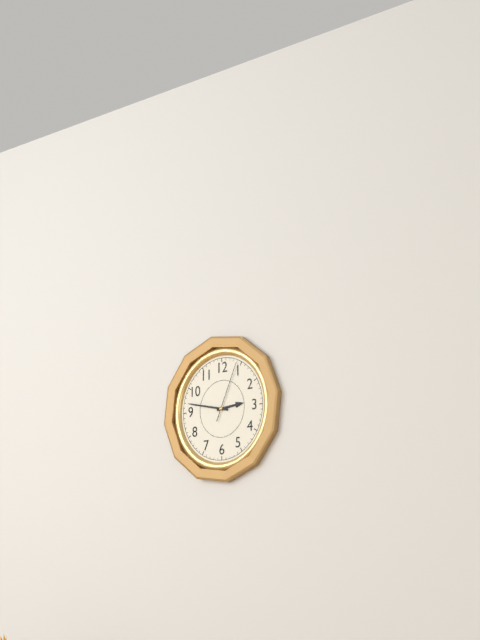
2:47:04
